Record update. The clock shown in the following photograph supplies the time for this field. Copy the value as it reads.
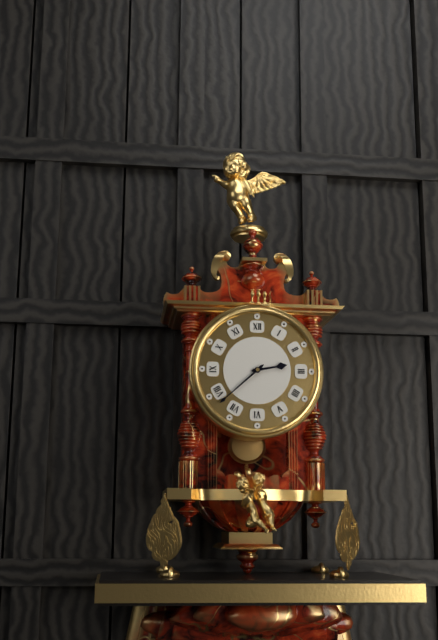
2:38
